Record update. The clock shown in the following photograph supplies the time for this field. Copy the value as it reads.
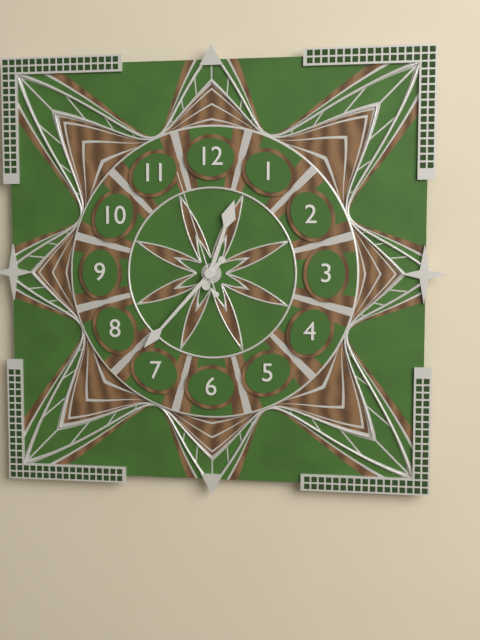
12:37:57
